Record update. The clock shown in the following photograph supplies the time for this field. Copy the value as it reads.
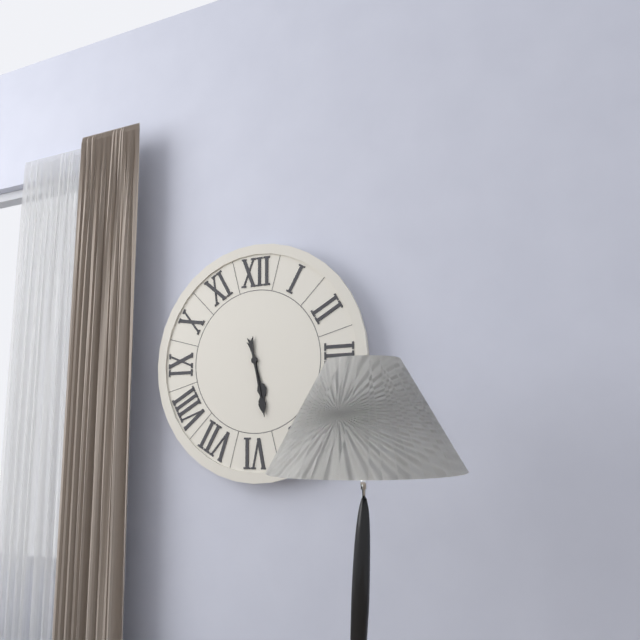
5:28
